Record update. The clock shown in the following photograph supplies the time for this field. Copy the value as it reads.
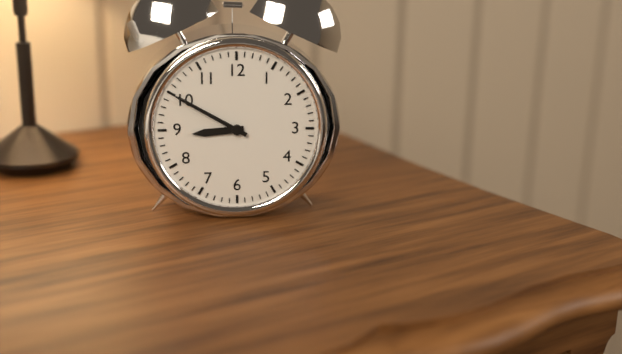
8:50
